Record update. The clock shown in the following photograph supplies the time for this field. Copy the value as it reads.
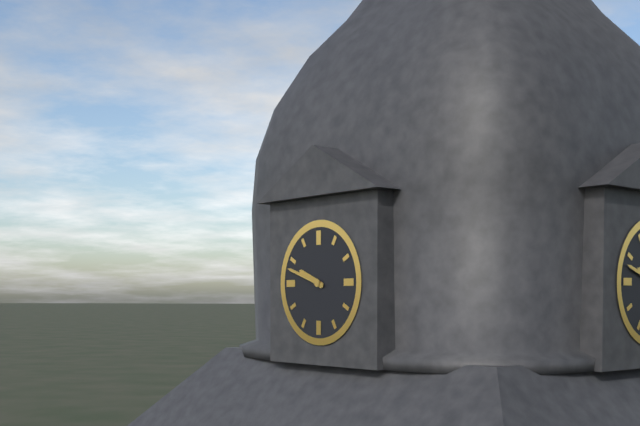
9:48
